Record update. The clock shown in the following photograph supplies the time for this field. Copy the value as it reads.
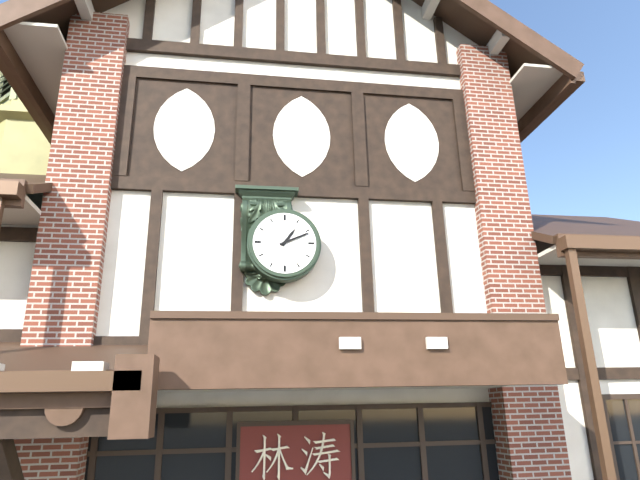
1:11
